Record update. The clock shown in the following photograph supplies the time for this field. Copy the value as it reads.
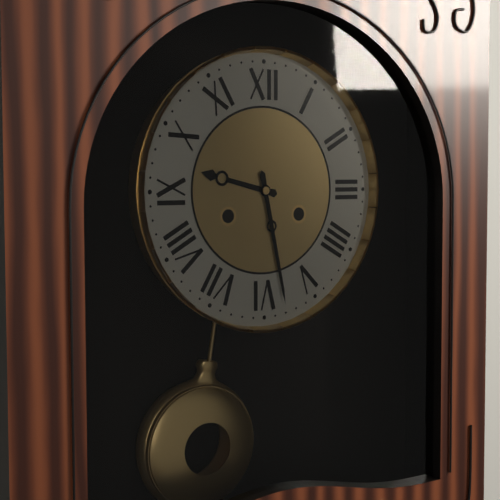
9:28
